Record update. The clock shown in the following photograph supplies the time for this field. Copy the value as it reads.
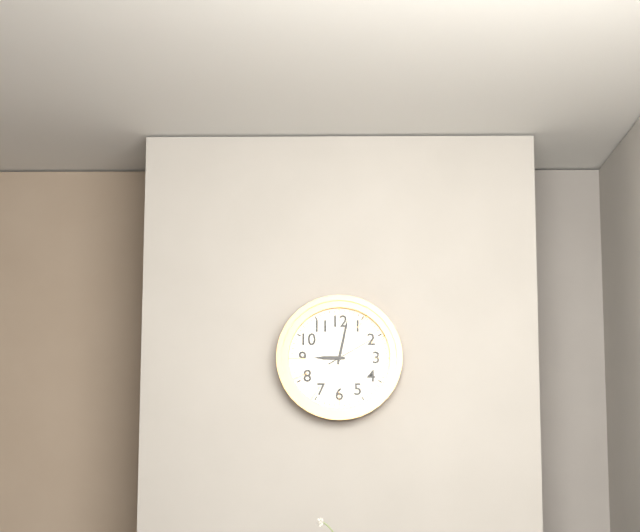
9:02:10
